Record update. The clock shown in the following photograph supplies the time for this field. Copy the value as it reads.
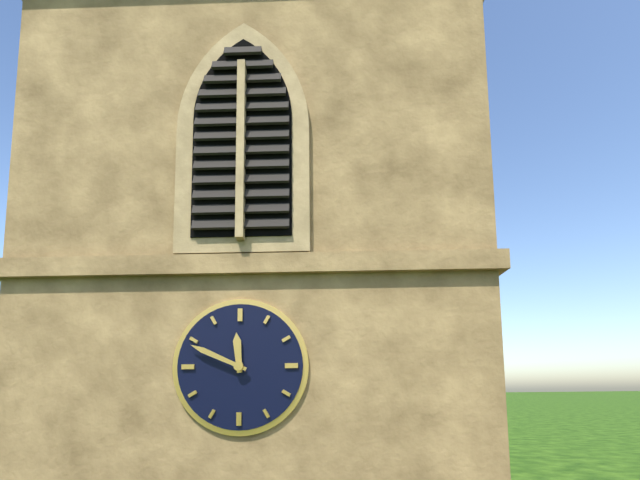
11:49
